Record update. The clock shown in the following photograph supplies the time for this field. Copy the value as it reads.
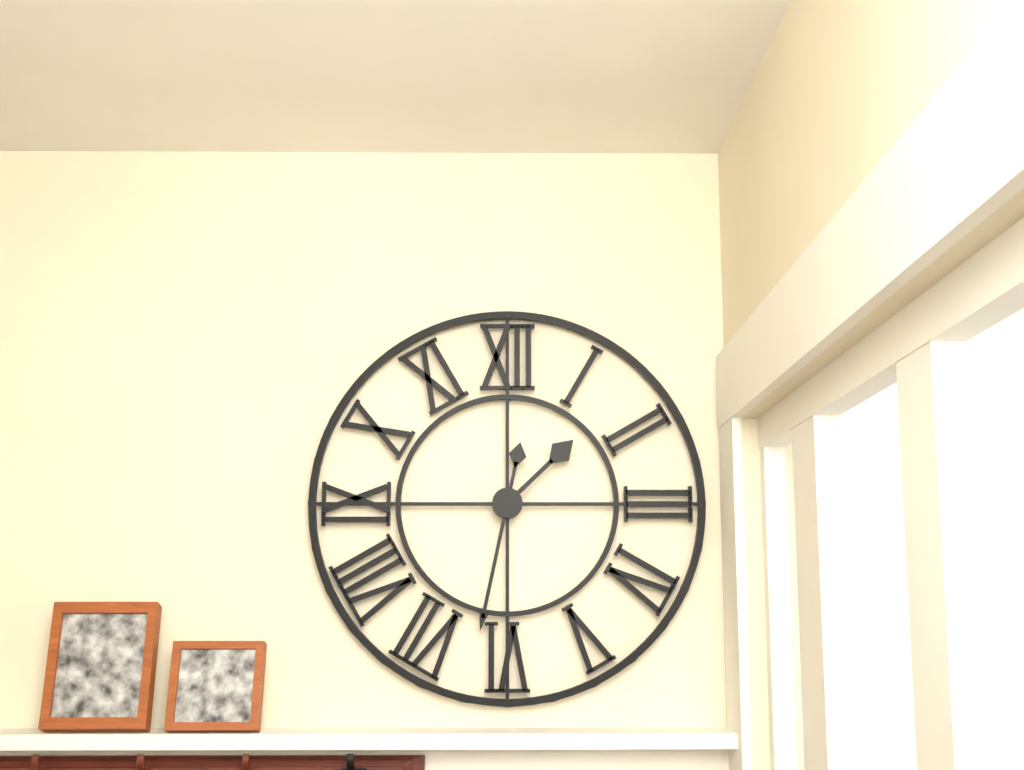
1:32
